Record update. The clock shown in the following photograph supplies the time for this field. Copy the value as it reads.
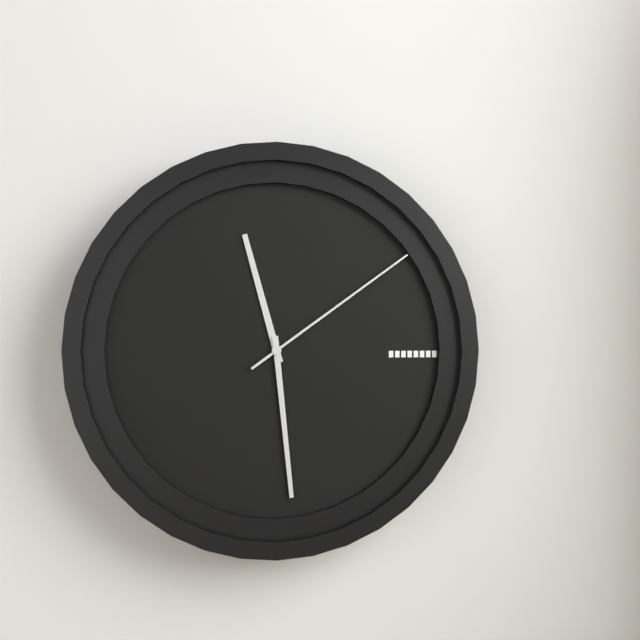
11:29:09
